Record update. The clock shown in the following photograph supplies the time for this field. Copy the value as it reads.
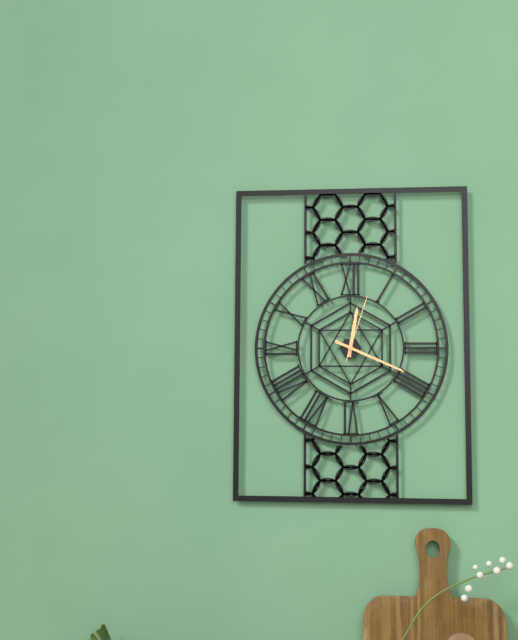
12:19:03
